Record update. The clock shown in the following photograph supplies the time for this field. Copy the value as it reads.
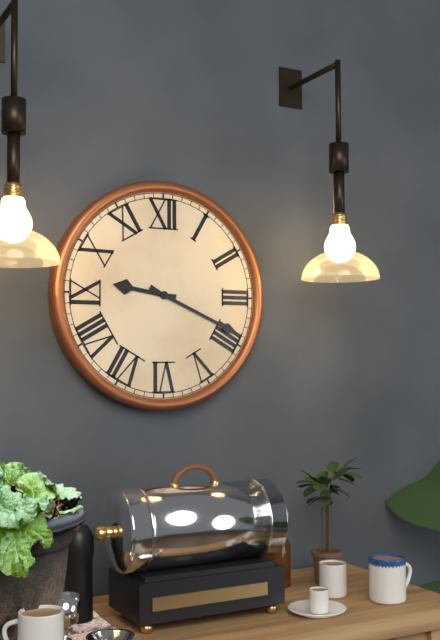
9:19
